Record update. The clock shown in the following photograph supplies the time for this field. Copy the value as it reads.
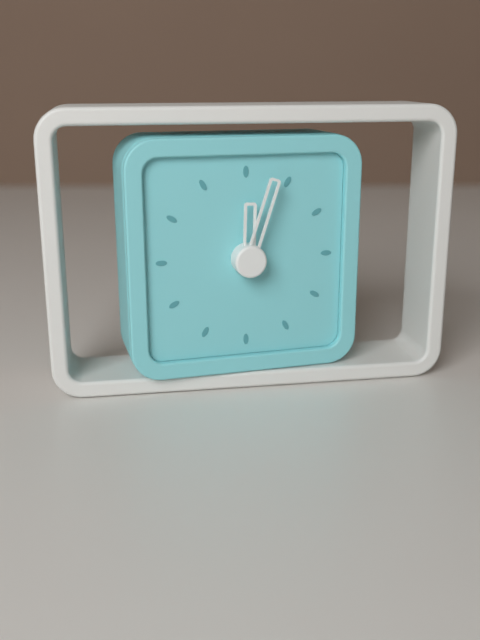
12:03
